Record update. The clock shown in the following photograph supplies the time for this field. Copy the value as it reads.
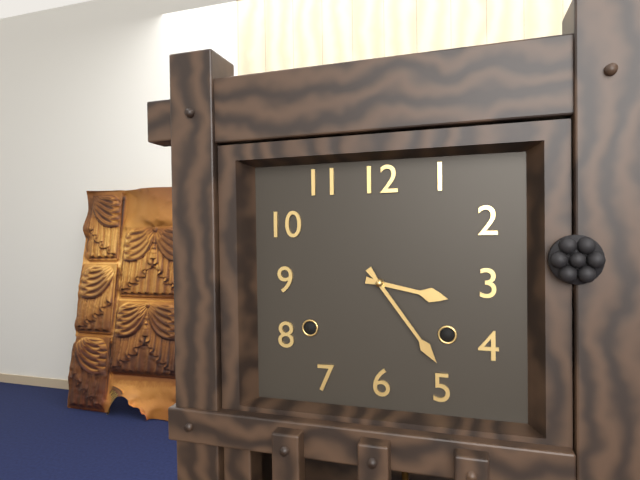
3:24
